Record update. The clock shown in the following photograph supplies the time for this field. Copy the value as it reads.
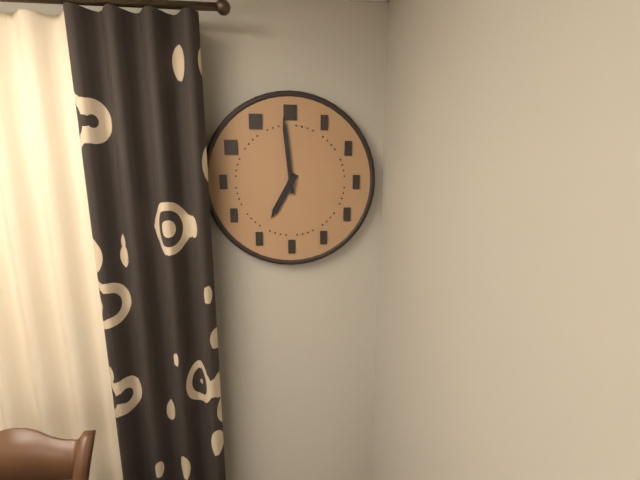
6:59
